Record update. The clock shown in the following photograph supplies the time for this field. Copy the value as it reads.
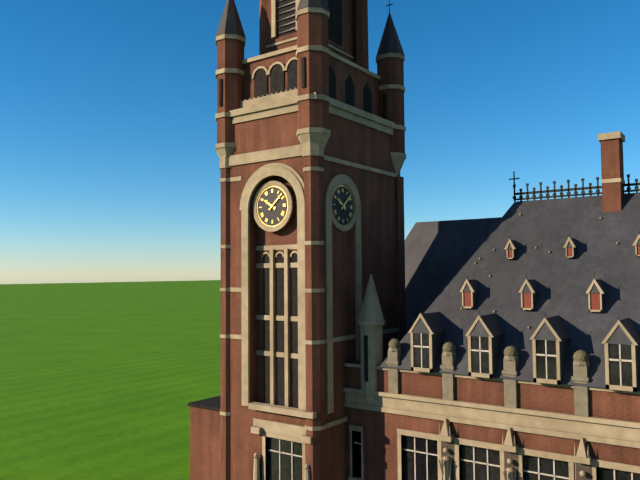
10:08
